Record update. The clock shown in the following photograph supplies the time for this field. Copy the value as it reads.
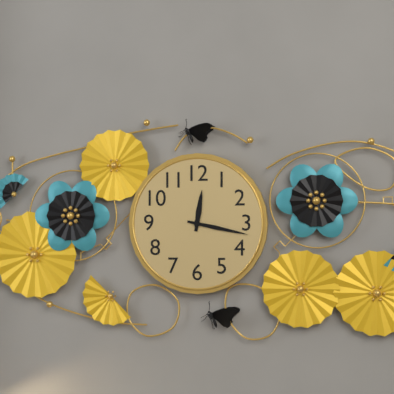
12:17
